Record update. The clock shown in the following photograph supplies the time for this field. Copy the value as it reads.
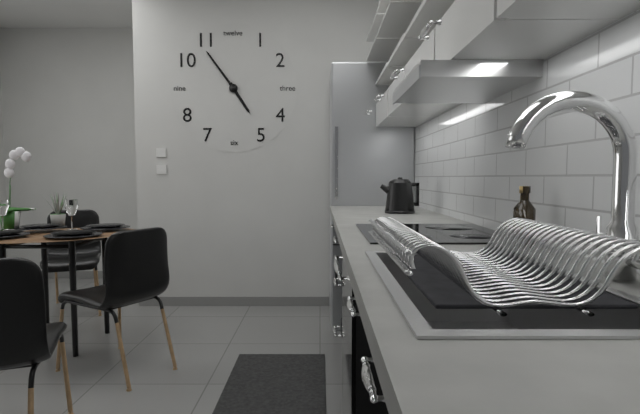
4:54
